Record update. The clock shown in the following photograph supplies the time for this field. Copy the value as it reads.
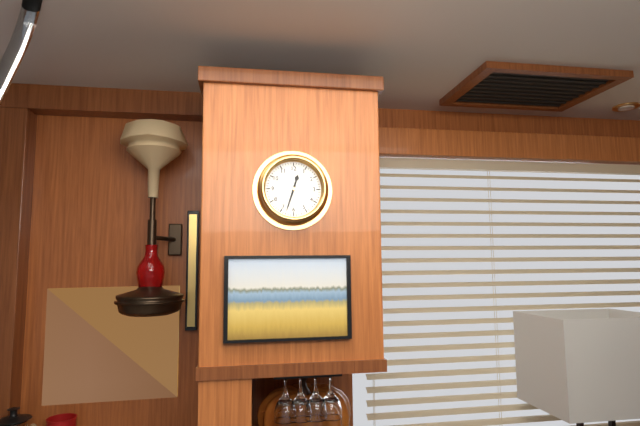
12:33
